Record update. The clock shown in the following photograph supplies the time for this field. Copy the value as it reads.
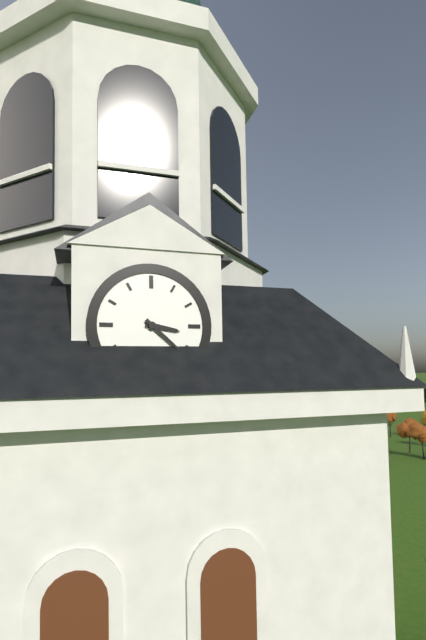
3:22
